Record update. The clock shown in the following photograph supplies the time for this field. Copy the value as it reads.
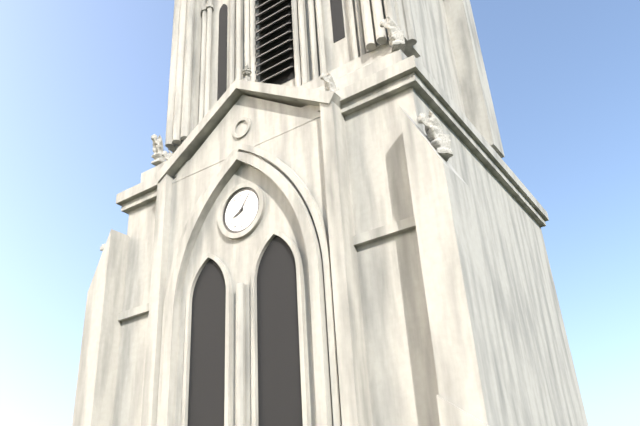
8:06
